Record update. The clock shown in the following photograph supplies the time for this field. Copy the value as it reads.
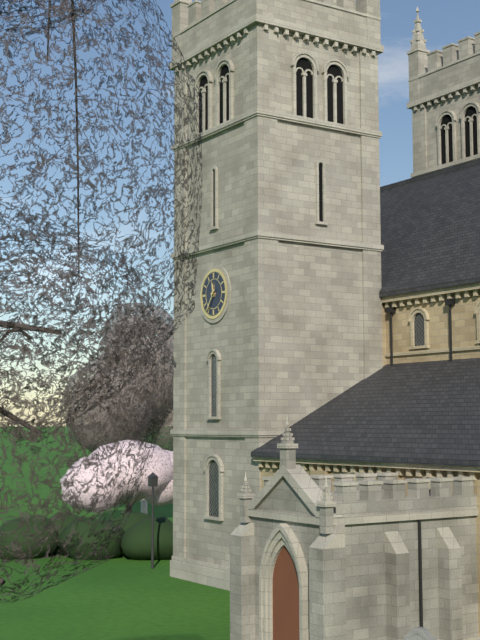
11:36
